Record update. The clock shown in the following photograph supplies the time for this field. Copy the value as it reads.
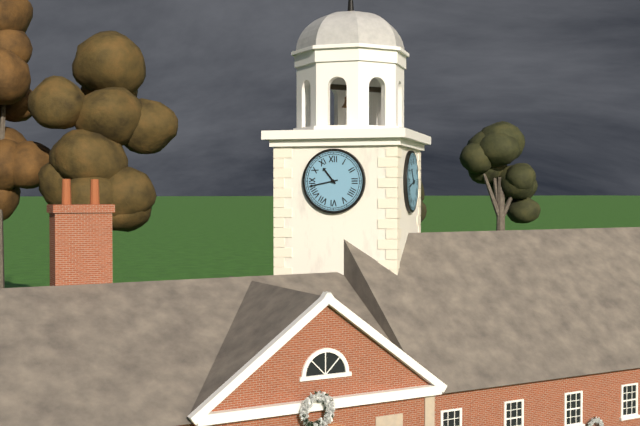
10:43
